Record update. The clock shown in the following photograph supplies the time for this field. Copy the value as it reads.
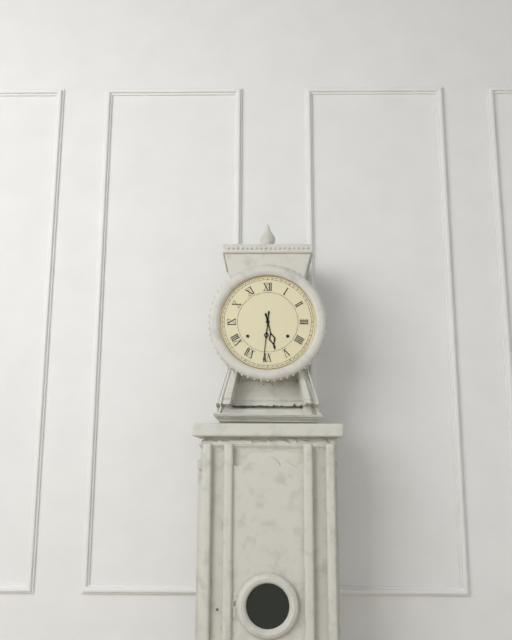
5:31
